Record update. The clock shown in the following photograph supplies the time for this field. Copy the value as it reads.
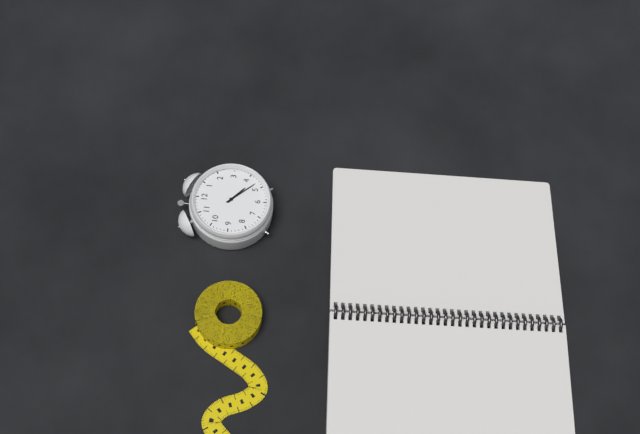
4:23
